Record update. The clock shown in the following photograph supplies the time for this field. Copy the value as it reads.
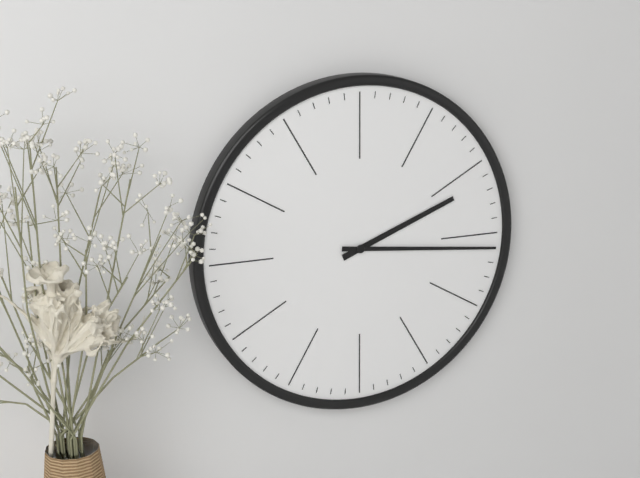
2:16
